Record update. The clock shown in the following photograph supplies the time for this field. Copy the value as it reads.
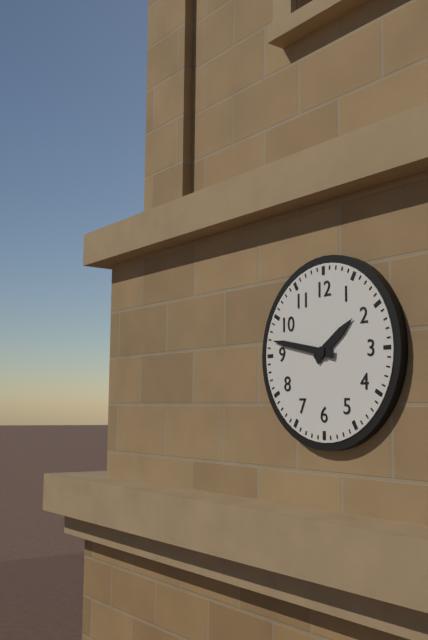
1:47
